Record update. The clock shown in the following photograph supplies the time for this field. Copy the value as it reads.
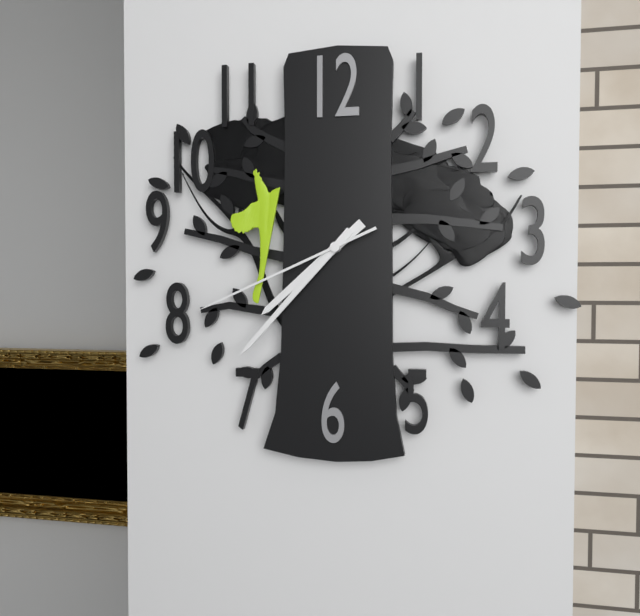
7:37:41
